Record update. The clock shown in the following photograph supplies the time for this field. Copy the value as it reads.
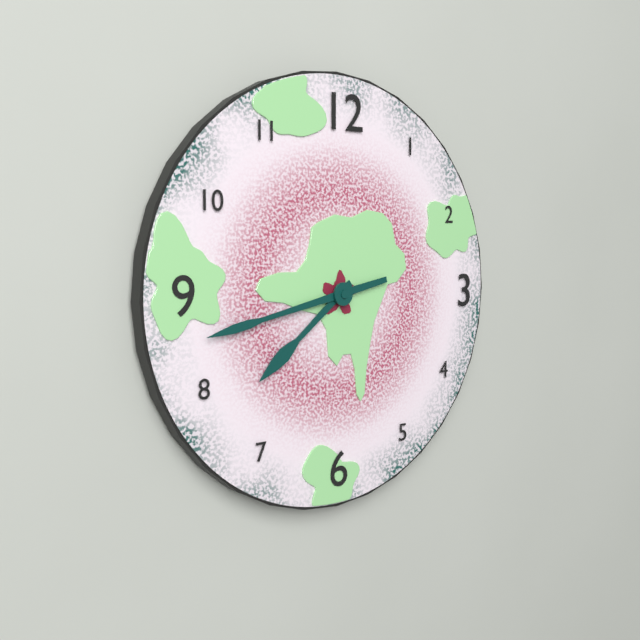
7:43
